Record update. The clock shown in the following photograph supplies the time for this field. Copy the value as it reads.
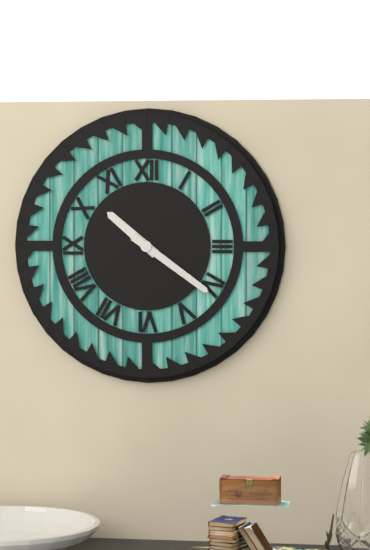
10:21
